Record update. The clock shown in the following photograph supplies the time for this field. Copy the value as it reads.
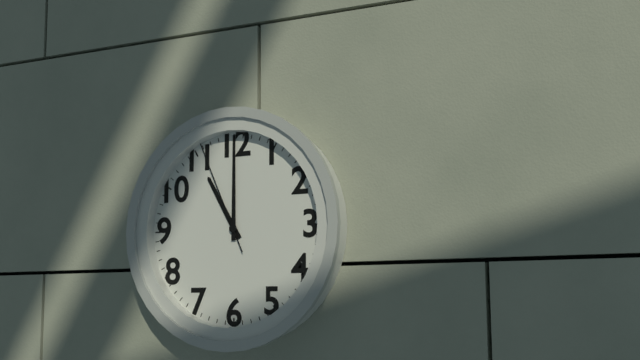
11:00:56
